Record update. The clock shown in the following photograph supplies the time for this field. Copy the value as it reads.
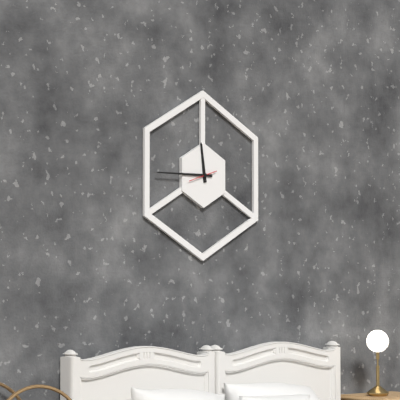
11:45
